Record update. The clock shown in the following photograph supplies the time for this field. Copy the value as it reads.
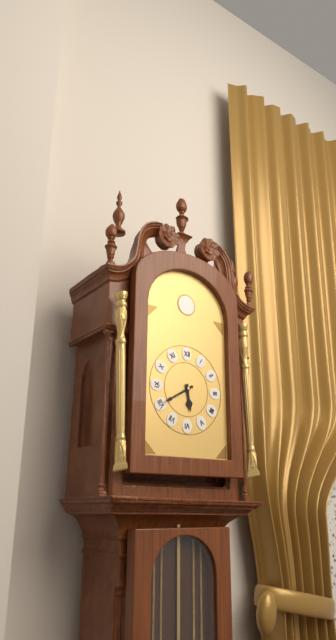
5:40
